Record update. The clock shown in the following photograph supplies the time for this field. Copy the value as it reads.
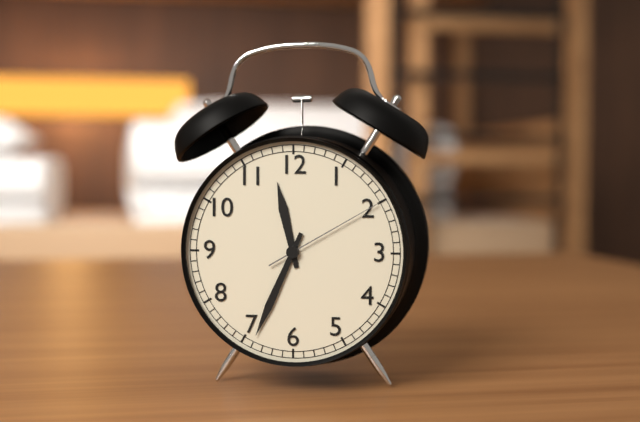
11:34:10
